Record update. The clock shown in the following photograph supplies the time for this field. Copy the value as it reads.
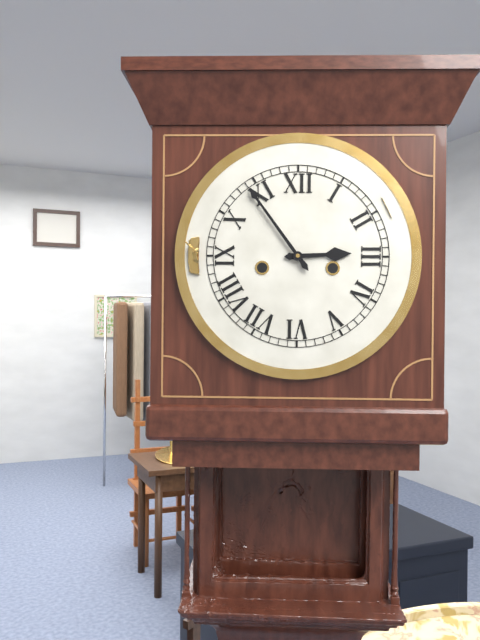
2:54
